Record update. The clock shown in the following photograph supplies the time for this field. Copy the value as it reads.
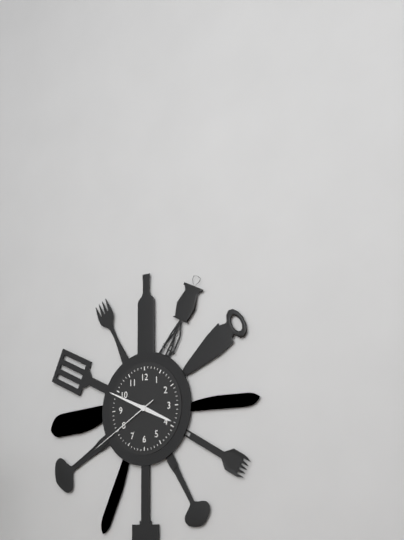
3:49:40
